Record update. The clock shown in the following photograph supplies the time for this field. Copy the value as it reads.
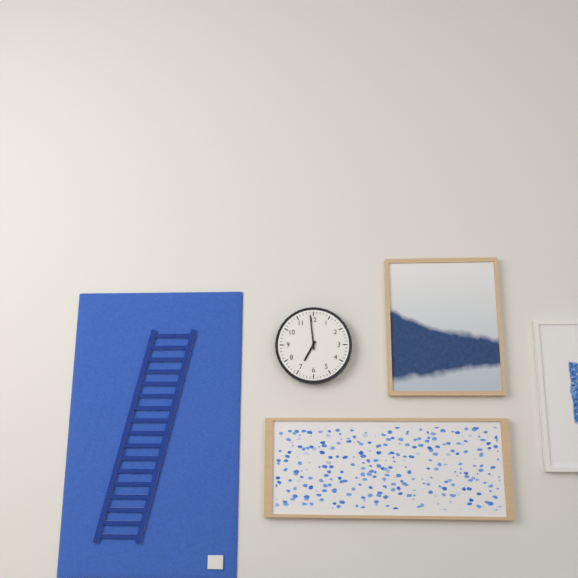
6:59
